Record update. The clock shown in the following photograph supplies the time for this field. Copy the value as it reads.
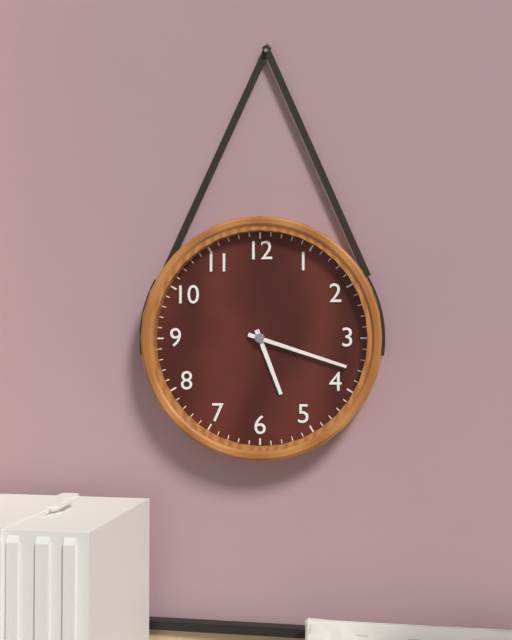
5:18
